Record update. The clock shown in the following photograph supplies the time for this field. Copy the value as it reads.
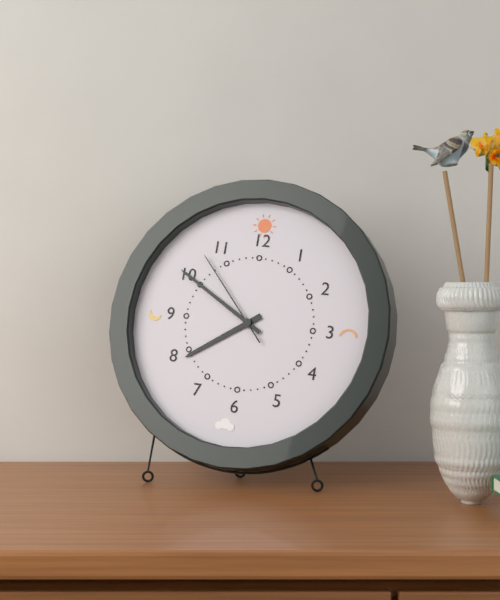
7:50:53
